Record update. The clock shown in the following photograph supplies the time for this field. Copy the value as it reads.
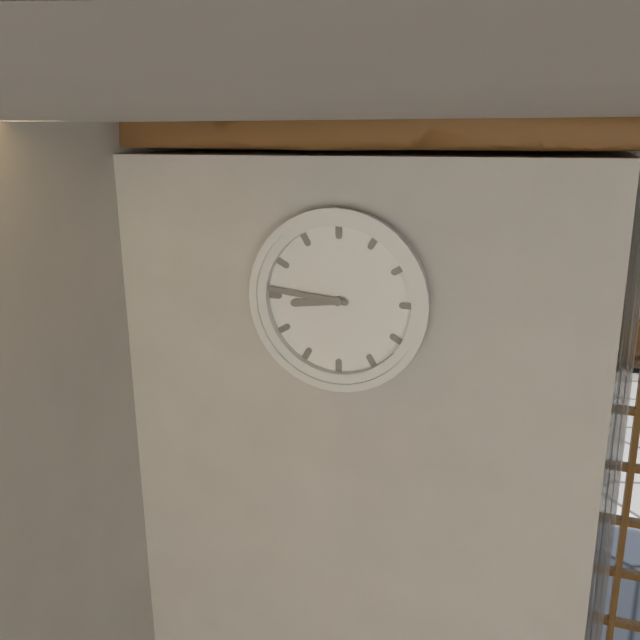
8:46
